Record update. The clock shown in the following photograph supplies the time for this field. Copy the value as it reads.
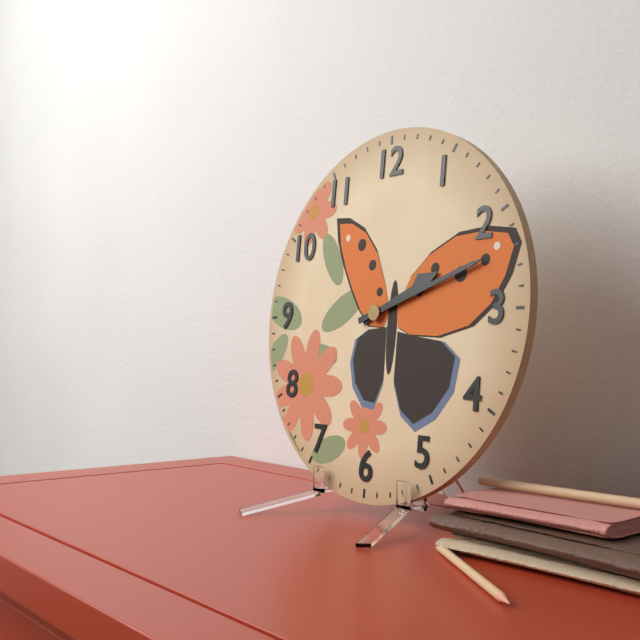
2:12
